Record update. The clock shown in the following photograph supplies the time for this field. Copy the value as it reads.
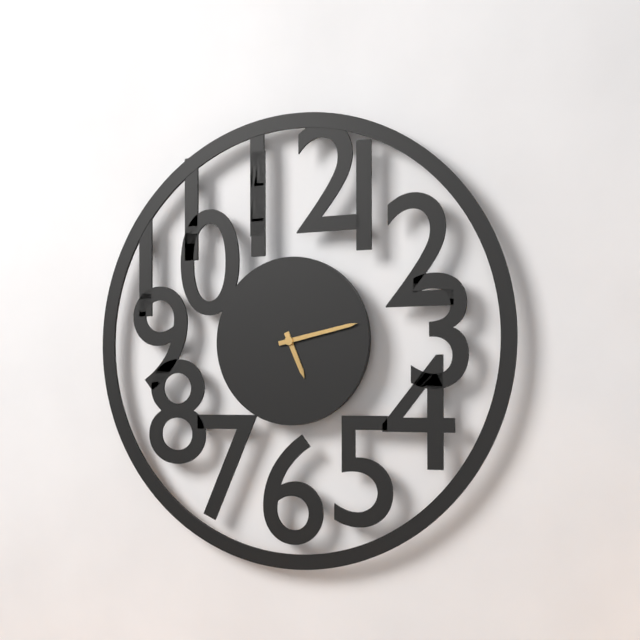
5:13
